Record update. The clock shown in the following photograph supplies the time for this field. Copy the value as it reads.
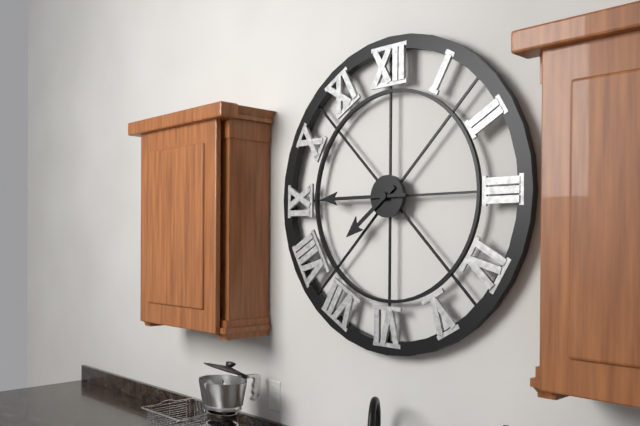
7:45
